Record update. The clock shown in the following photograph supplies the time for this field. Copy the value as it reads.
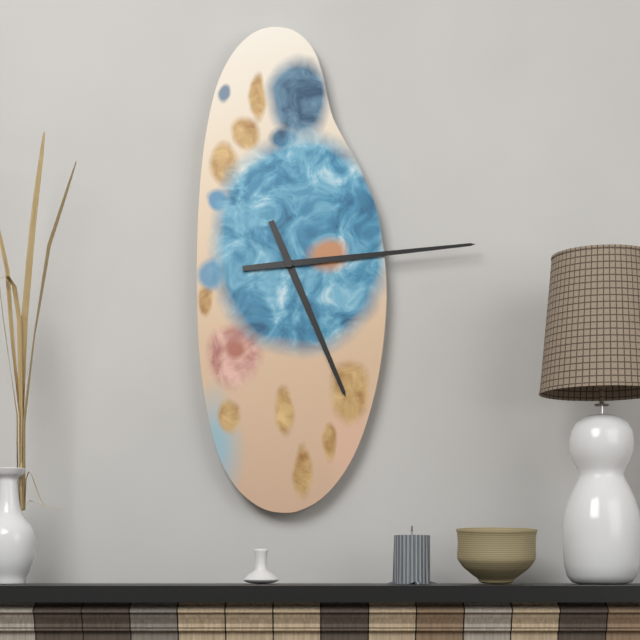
5:14
